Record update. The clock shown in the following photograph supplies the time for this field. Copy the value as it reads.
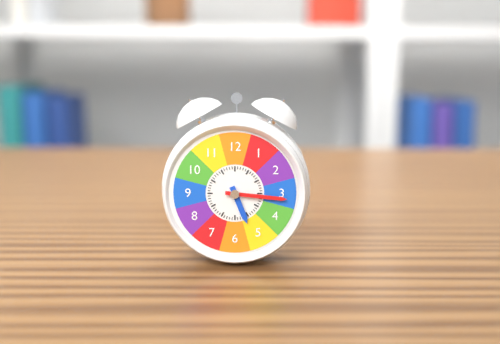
5:16
